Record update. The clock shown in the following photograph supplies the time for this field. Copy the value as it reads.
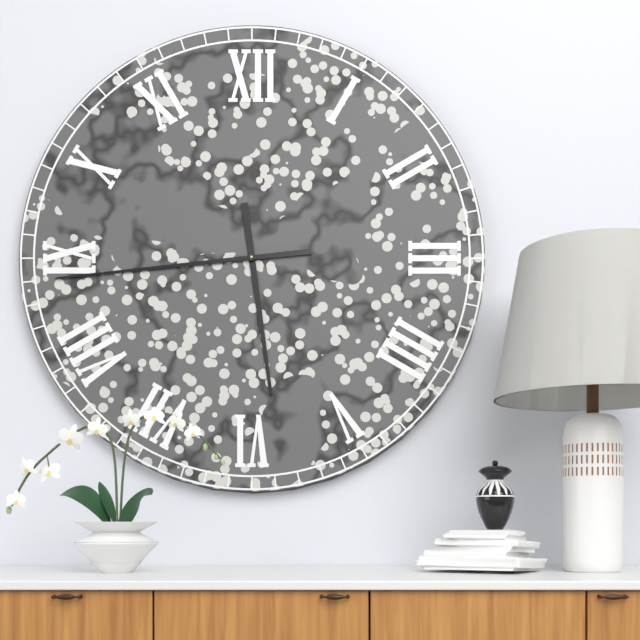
5:44
